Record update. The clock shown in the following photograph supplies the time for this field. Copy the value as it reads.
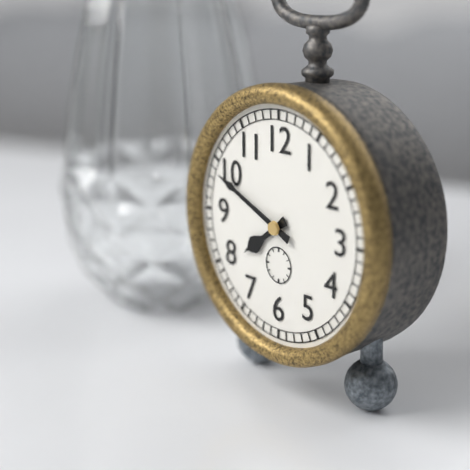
7:49
